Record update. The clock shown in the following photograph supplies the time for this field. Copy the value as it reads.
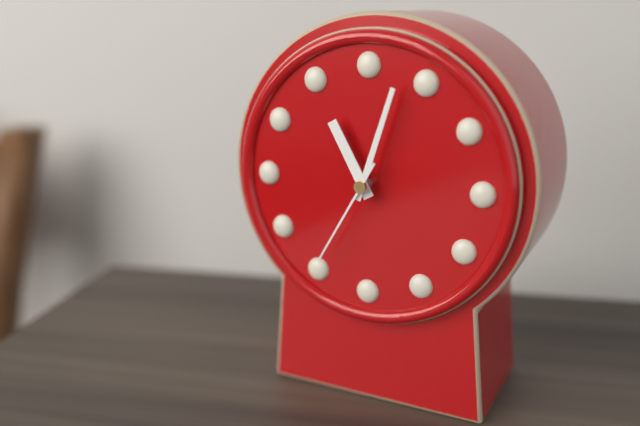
11:03:35
